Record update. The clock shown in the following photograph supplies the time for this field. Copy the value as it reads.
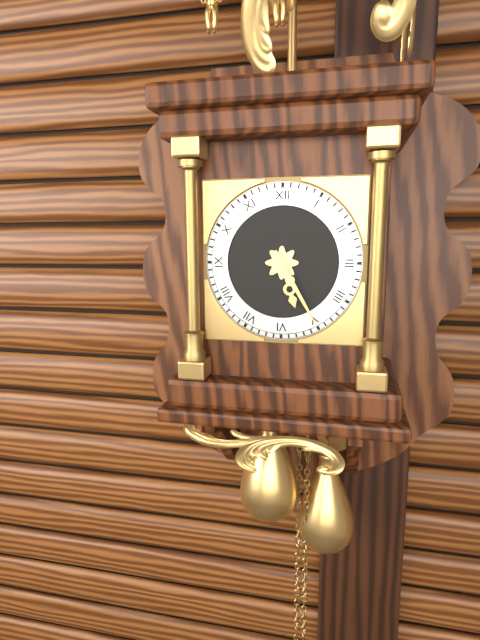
5:25
